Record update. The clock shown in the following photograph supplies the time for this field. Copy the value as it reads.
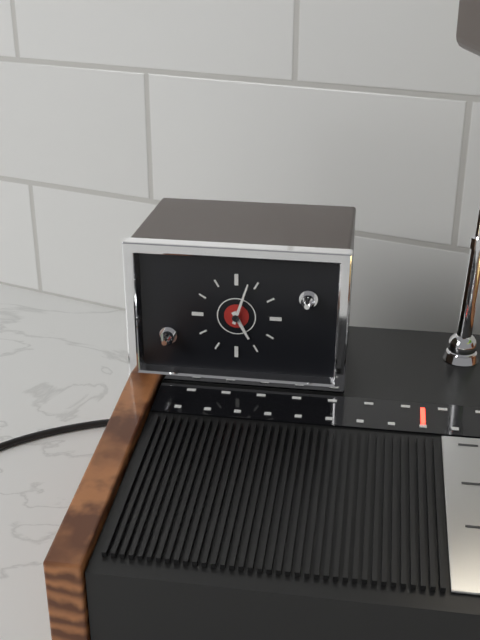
5:03
